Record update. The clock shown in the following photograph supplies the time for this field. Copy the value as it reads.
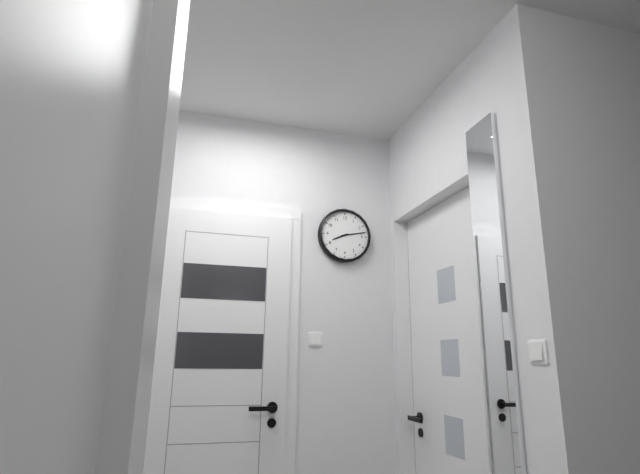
8:13
